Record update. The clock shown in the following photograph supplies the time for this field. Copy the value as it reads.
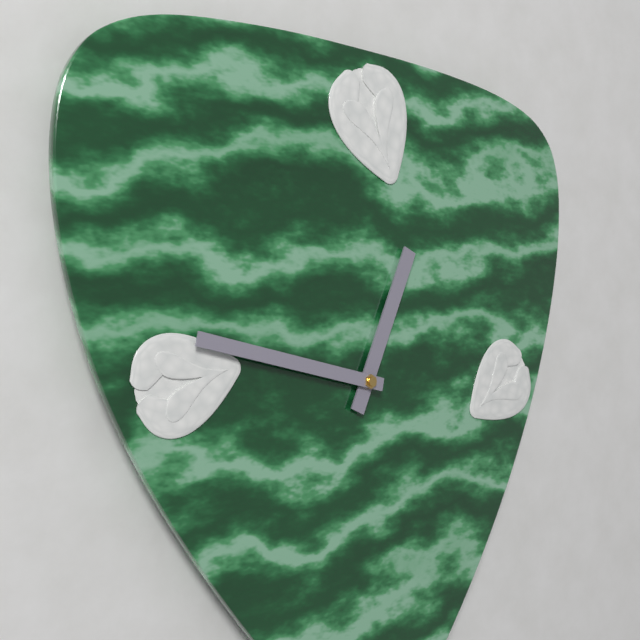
12:47
